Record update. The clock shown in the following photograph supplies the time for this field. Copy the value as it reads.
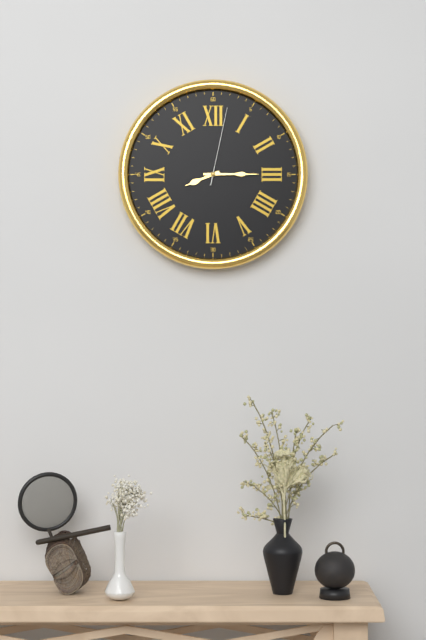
8:15:02
